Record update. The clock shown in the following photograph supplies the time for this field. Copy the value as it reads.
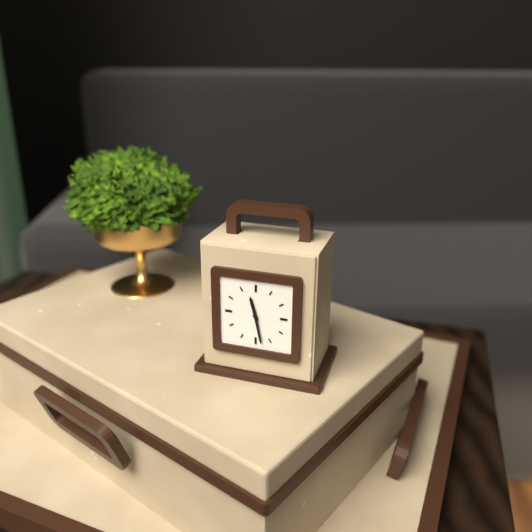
11:28
